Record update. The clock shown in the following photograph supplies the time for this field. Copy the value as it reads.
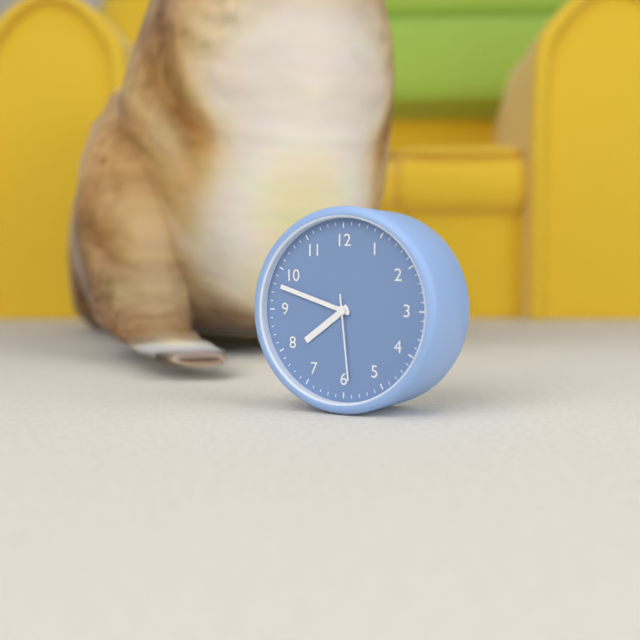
7:48:29
